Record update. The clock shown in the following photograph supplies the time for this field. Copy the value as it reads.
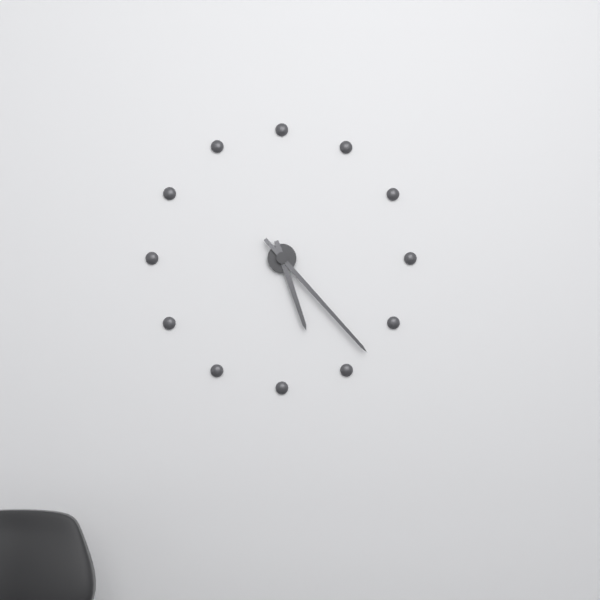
5:23
